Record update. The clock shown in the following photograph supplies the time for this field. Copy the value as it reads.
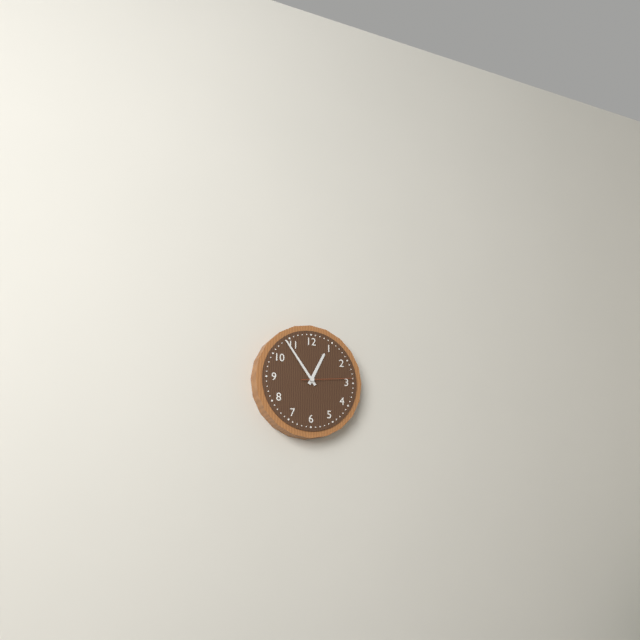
12:54:14
